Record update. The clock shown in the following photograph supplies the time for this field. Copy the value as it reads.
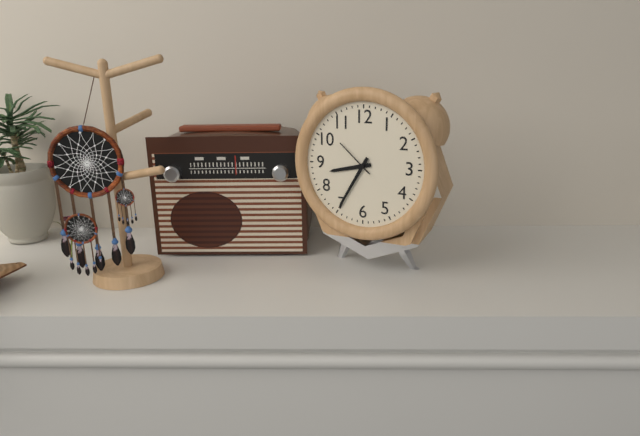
8:35
